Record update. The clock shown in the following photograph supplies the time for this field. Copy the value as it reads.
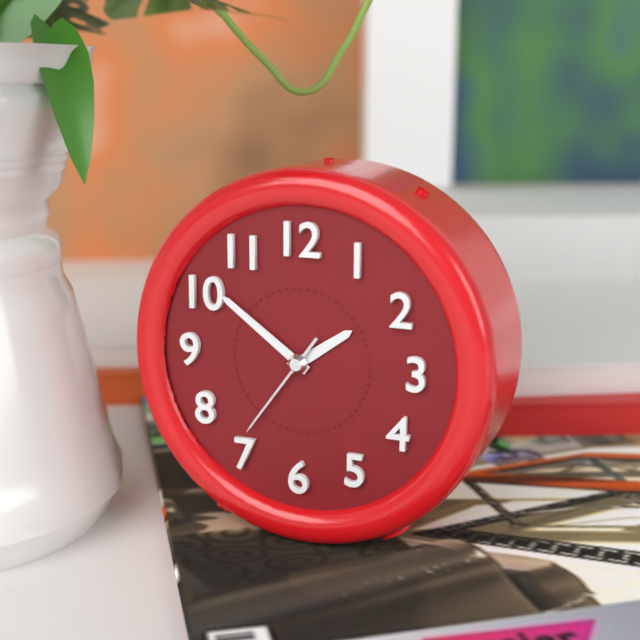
1:51:36
